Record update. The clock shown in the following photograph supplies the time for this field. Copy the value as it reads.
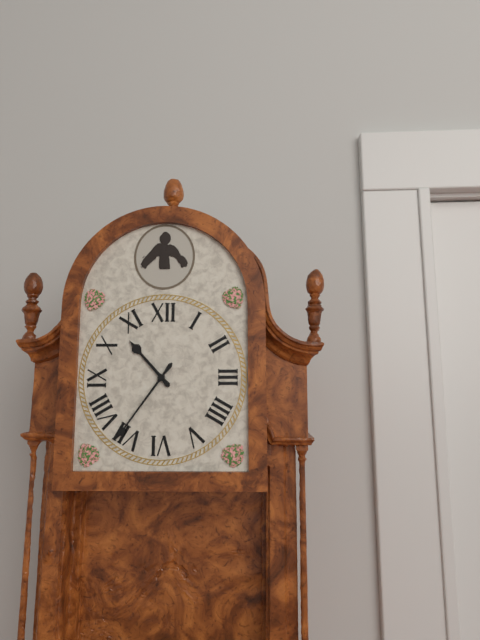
10:36
